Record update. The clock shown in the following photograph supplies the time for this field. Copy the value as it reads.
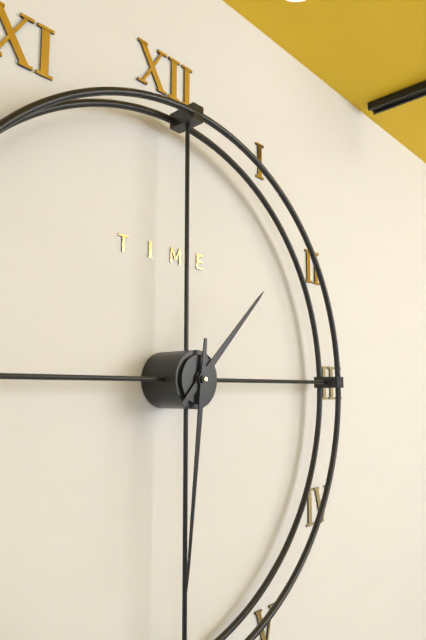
1:31
